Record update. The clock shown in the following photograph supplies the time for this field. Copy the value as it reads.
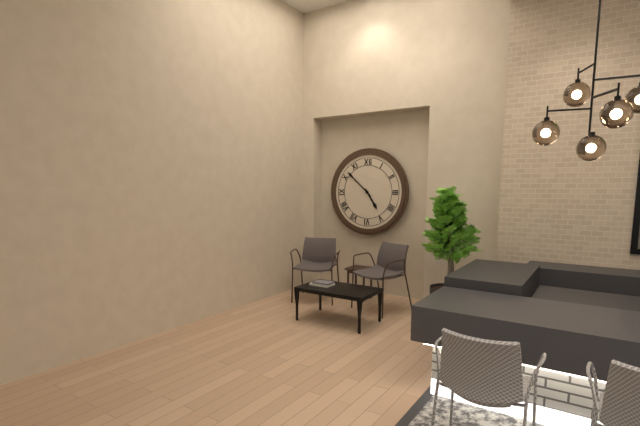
4:52
